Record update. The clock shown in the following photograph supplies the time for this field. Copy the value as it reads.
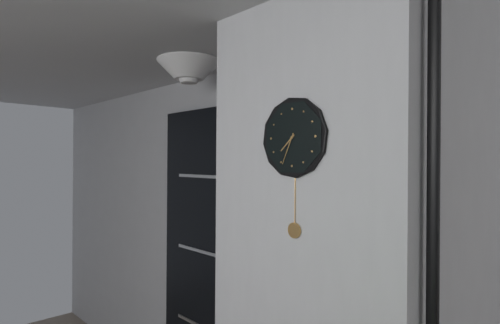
7:34
